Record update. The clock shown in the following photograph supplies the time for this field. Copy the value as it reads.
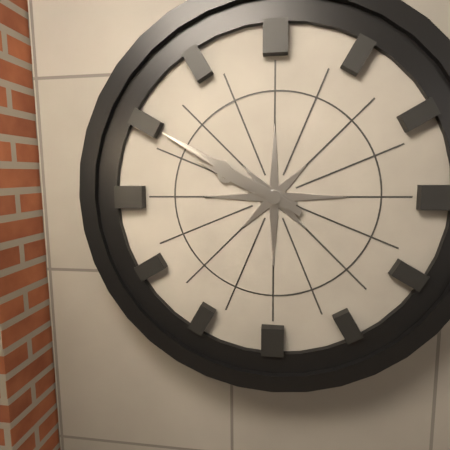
9:50
